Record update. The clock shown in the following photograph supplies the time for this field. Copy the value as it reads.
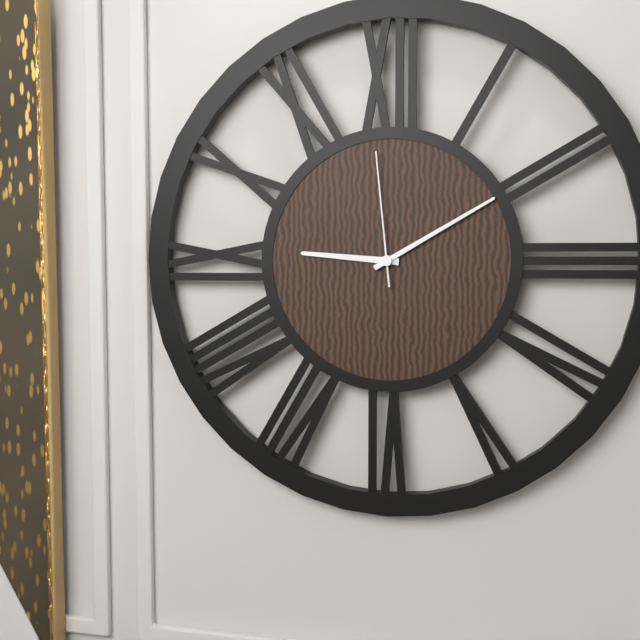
9:10:59
